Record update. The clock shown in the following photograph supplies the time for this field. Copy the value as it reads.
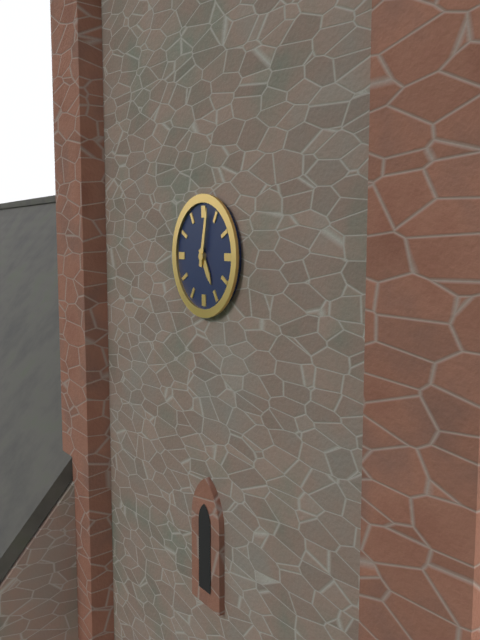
5:02
